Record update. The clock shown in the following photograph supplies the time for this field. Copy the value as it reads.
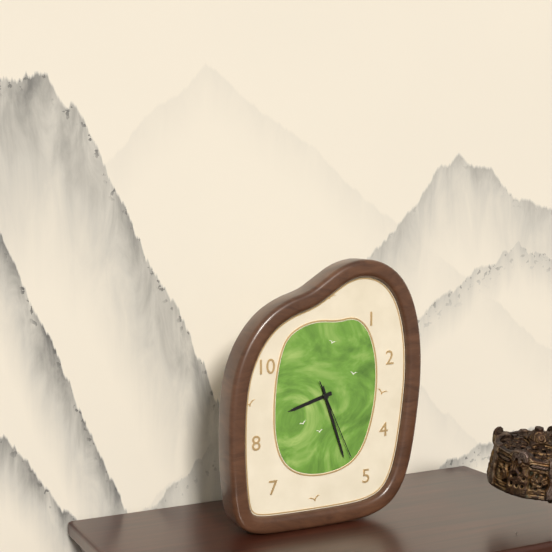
8:27:26
